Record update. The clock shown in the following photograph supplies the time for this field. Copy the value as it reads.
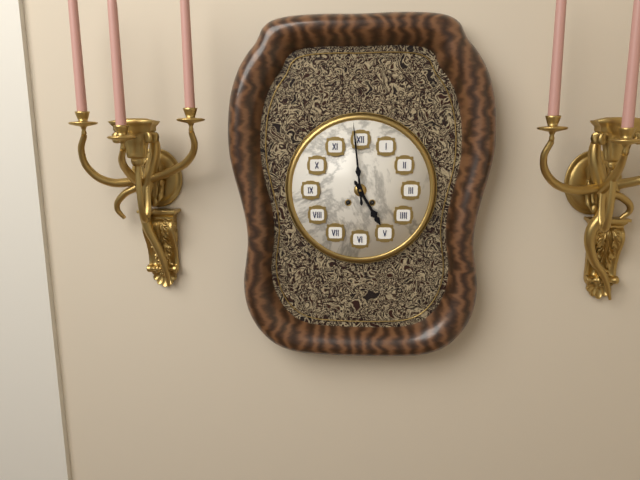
4:59
